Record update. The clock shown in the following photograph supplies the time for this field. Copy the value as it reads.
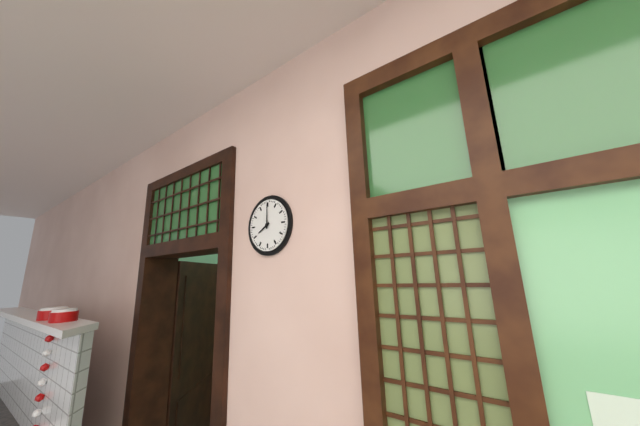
8:00
